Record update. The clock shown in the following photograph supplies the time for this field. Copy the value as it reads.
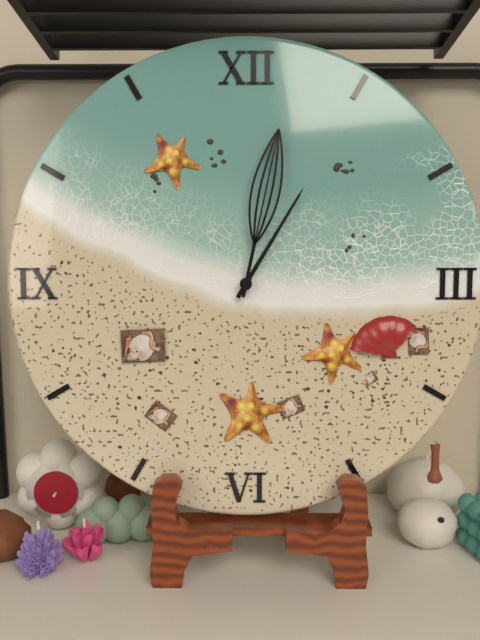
1:02
